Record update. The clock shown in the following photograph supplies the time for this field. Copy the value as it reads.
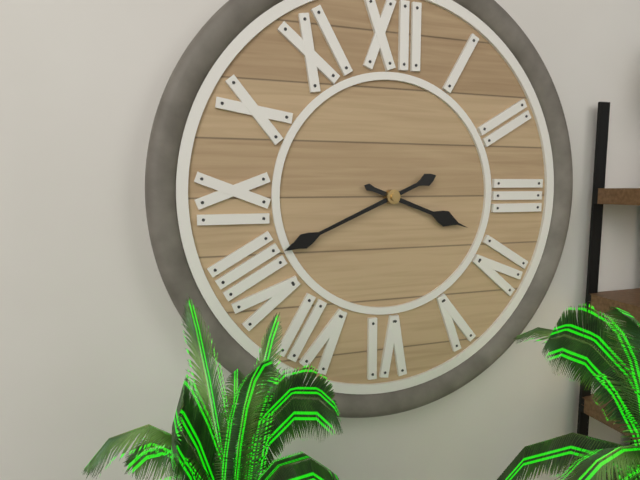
3:41
